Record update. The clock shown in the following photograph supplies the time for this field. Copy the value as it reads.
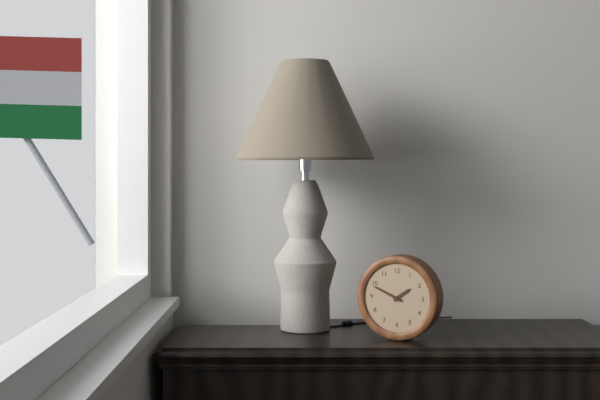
1:49
